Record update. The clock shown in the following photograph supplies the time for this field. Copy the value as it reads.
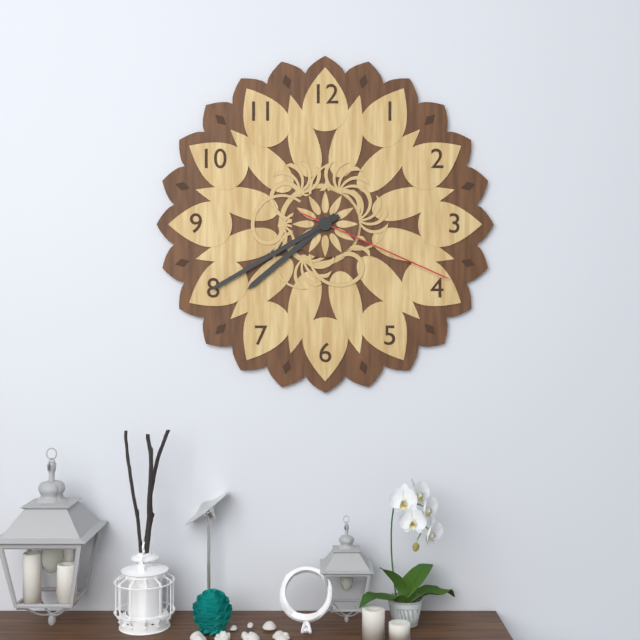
7:40:19
